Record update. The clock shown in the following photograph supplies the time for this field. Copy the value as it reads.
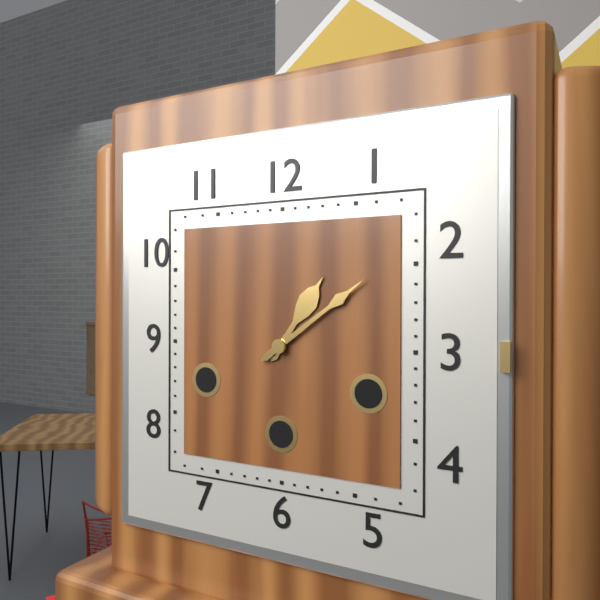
1:09
